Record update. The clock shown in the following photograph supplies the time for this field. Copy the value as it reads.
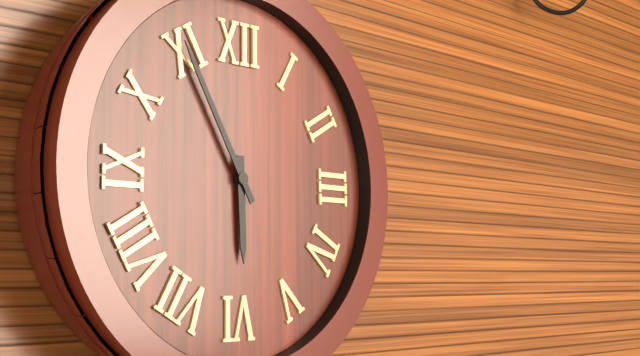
5:55
